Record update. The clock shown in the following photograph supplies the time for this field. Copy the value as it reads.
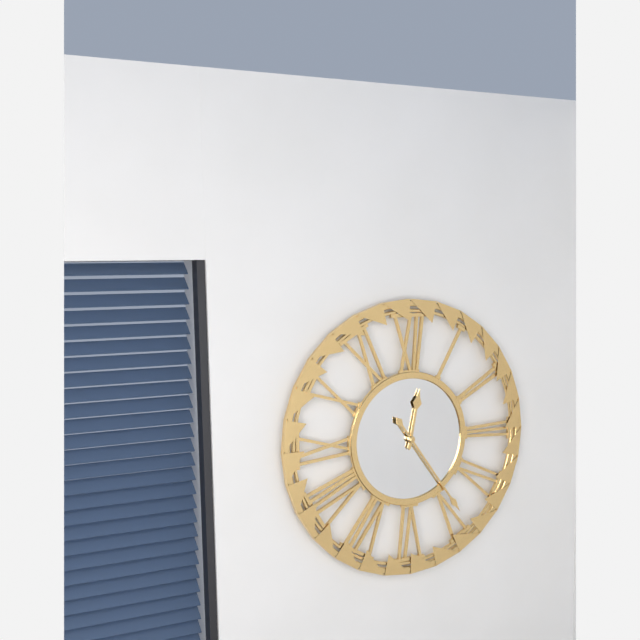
12:24
